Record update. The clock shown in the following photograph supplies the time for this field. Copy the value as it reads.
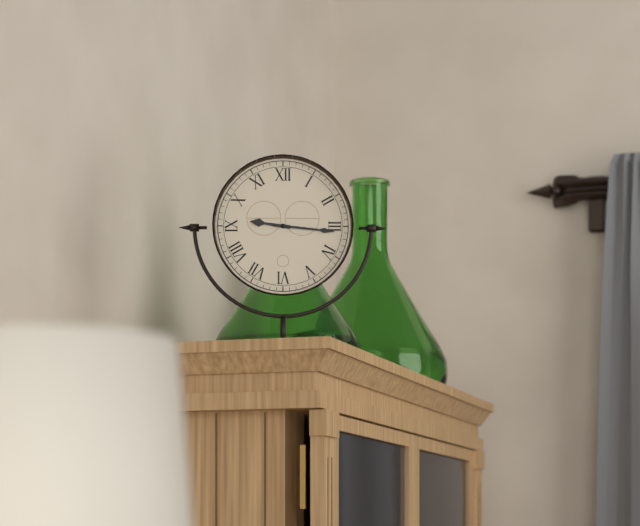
9:16
